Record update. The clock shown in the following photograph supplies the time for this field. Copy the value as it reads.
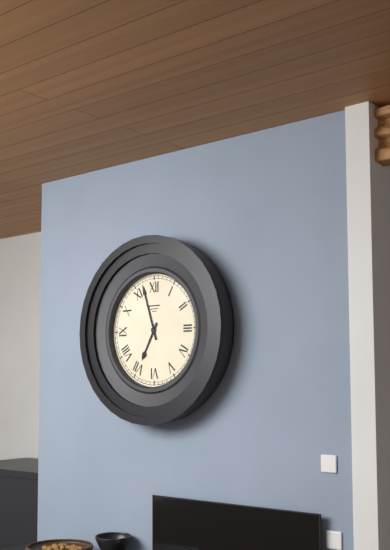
6:57
